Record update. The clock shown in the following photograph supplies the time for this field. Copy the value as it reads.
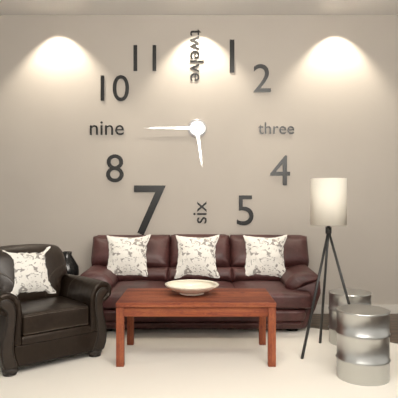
5:45
